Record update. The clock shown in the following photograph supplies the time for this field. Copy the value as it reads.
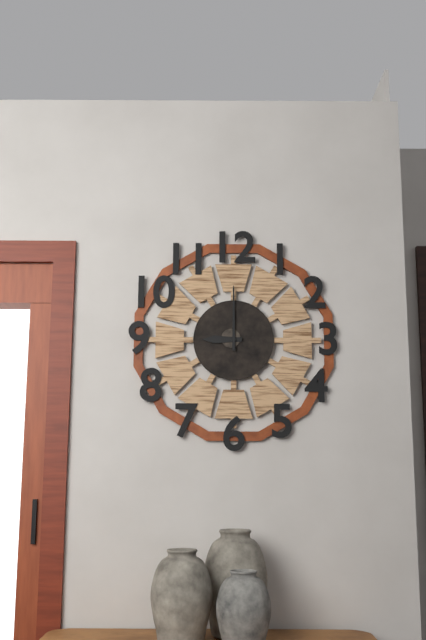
9:00
